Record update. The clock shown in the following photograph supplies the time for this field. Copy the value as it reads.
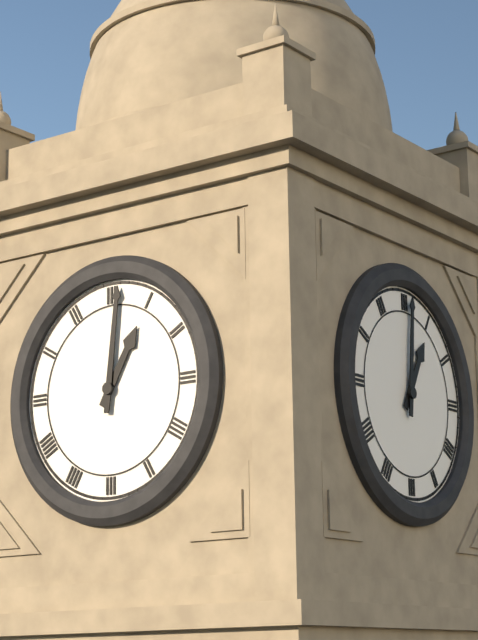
1:01
